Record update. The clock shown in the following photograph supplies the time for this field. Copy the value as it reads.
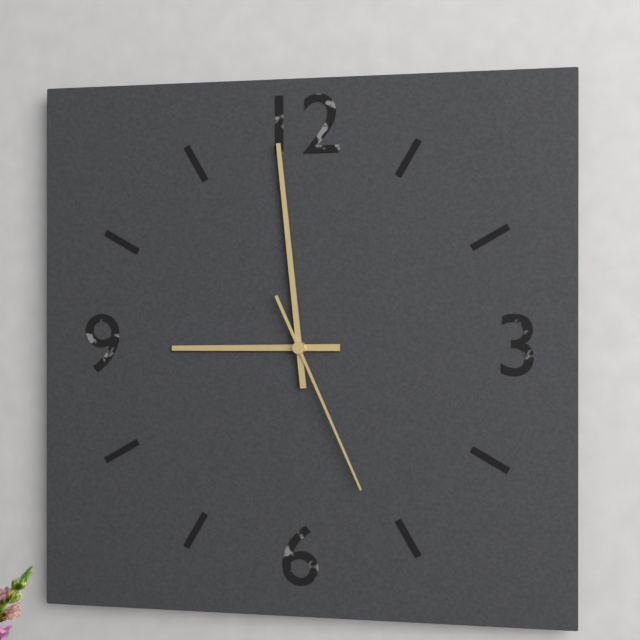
8:59:26
